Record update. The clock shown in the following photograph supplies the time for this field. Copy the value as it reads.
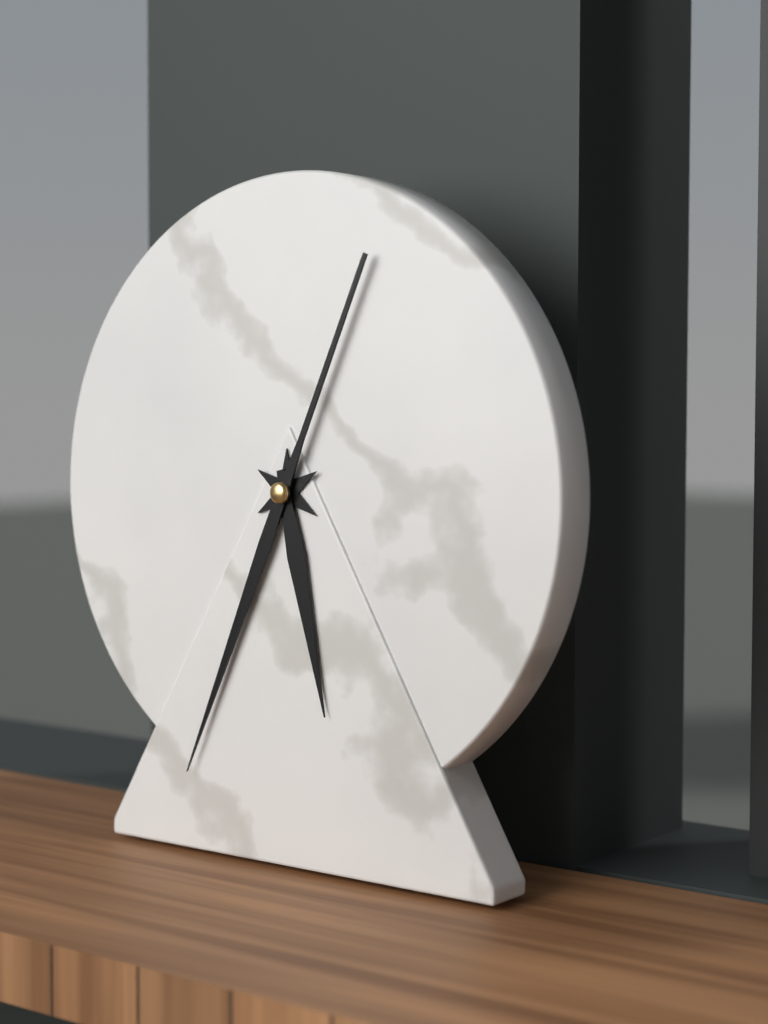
5:34
